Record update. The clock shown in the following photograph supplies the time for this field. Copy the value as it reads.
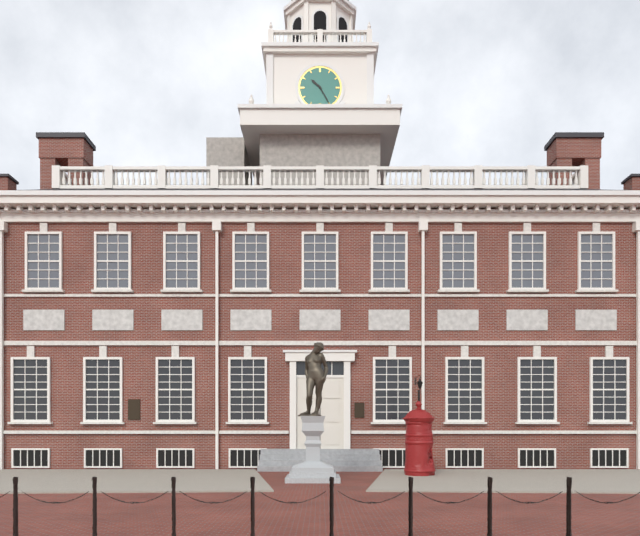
10:25
